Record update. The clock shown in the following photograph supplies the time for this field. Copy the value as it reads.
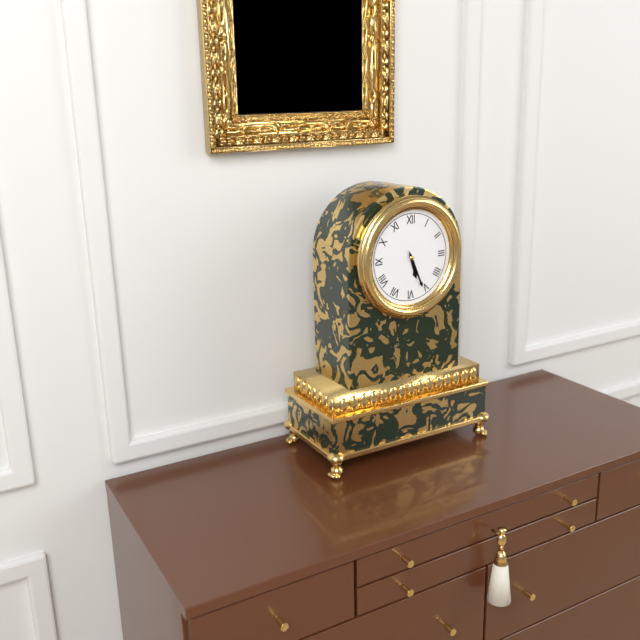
5:26
